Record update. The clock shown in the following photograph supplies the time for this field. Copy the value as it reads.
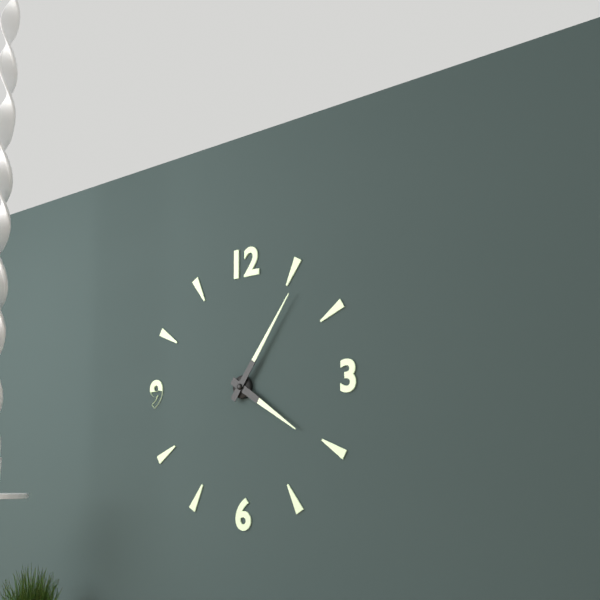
4:06
